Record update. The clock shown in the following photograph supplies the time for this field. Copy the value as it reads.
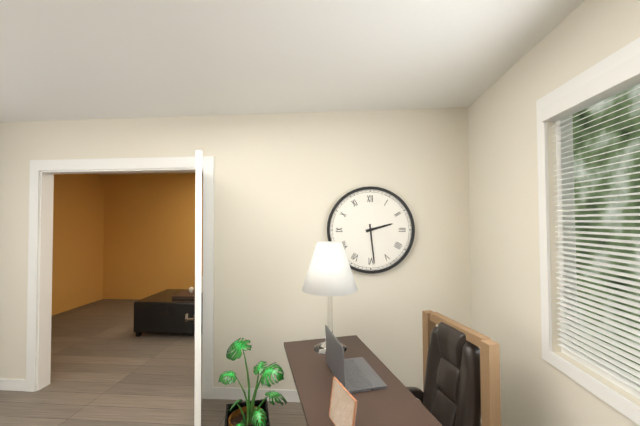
2:29
